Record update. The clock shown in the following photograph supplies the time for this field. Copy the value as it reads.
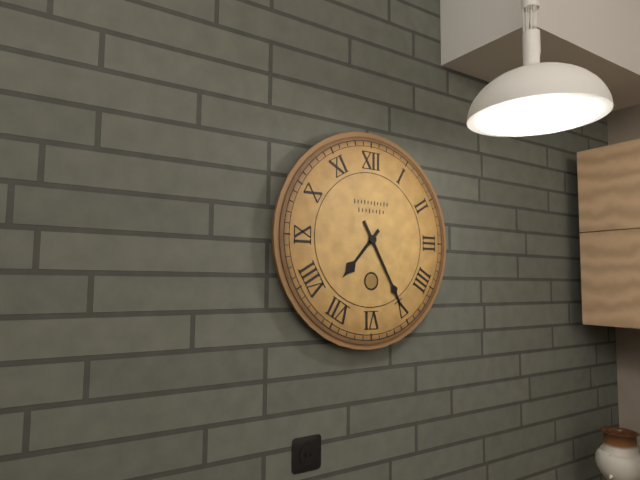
7:25
